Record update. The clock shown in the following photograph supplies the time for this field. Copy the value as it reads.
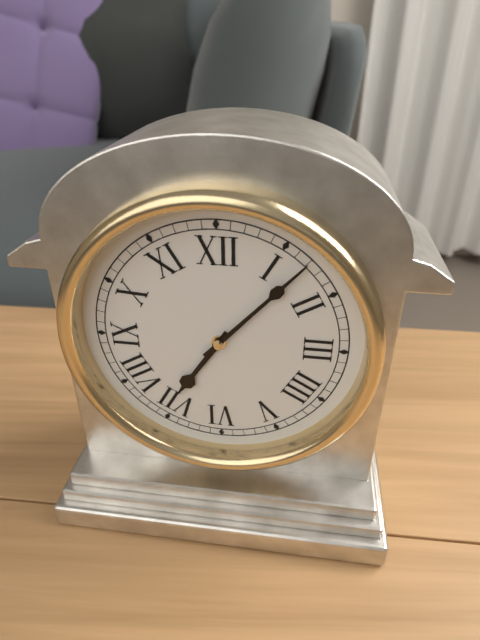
7:07
